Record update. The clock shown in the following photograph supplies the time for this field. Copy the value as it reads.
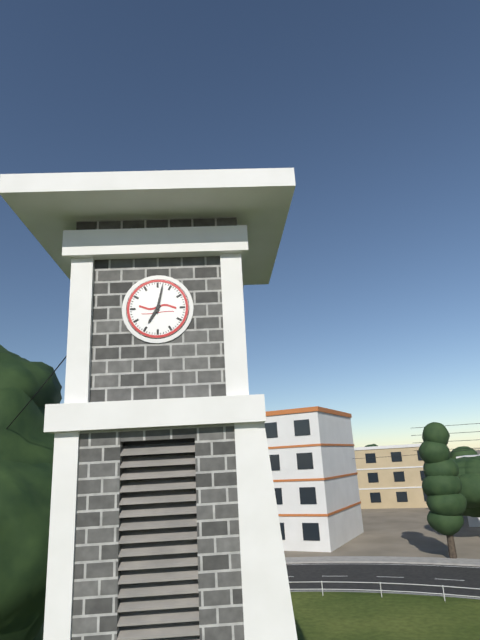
7:02
